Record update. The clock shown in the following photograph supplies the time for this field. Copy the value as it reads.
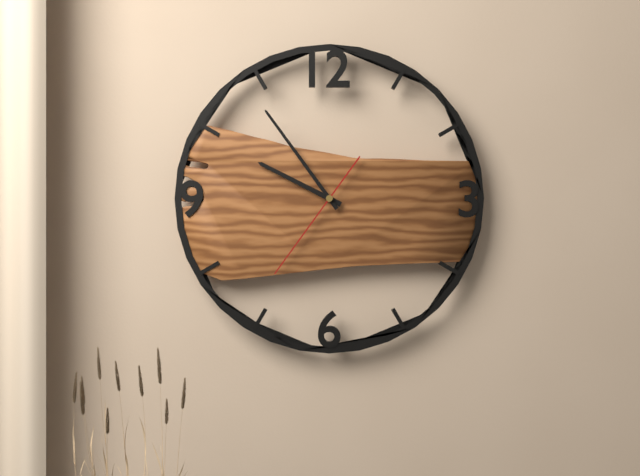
9:54:36
